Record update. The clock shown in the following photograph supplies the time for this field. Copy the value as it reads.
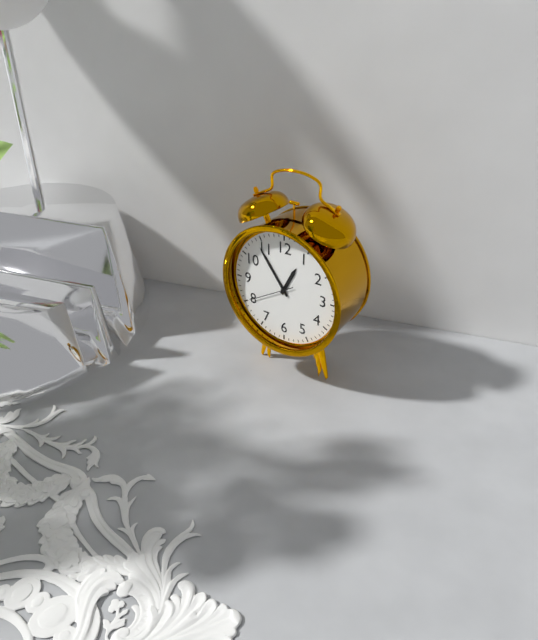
12:54
